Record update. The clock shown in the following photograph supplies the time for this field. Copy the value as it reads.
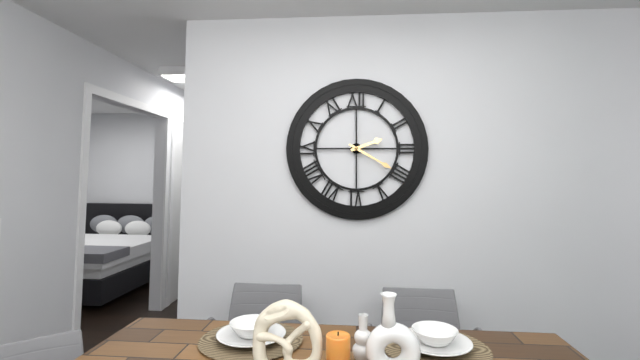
2:20
